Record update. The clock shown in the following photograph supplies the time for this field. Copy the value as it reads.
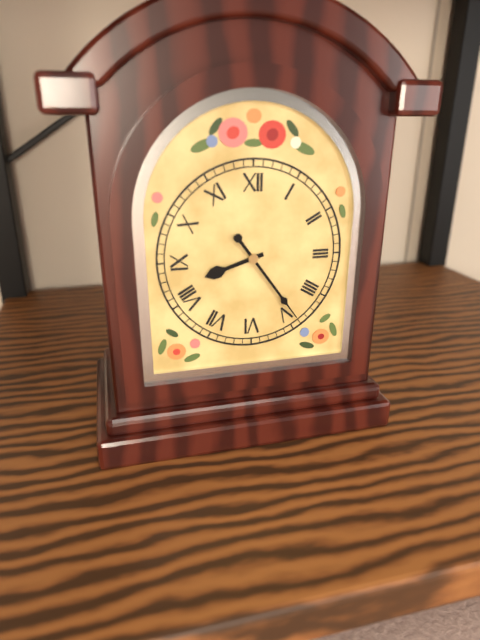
8:24
